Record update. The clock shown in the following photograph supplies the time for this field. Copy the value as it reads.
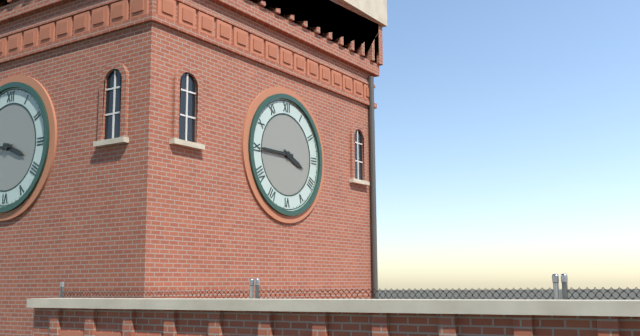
3:45
